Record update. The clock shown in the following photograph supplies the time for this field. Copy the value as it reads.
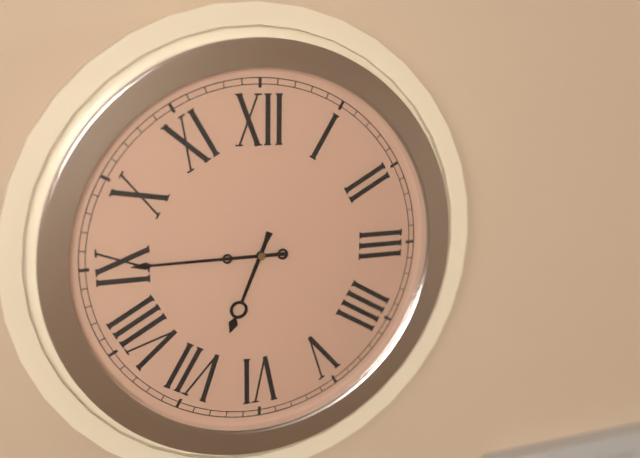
6:45
